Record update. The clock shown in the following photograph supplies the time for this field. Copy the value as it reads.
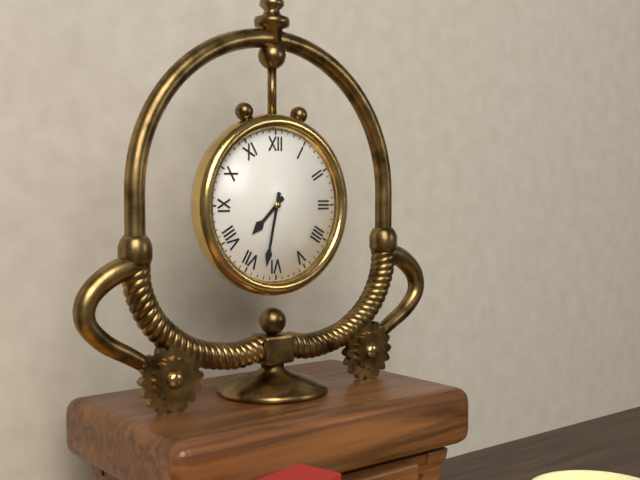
7:32
